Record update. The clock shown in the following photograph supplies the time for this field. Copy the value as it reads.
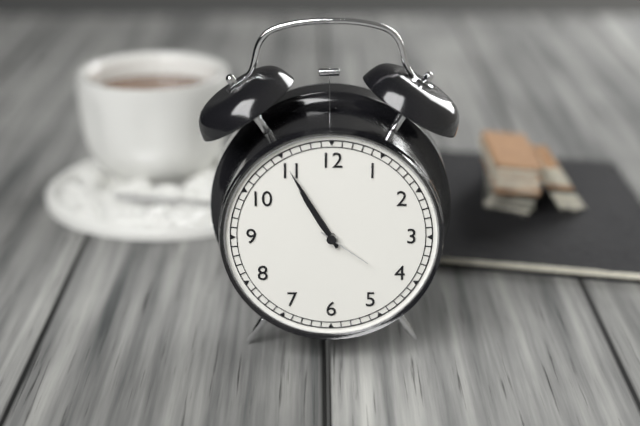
10:55:21
